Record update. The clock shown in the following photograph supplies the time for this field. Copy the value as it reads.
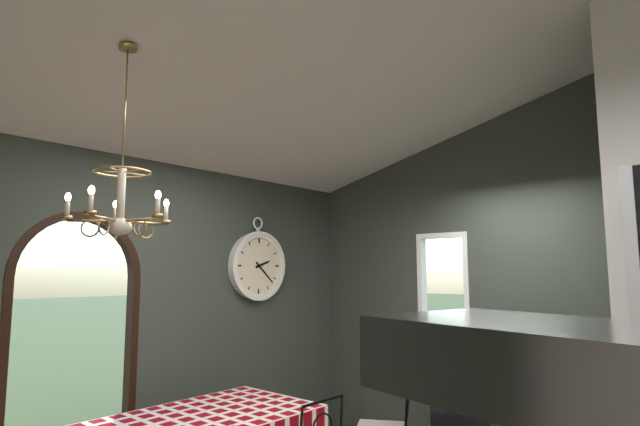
2:22
